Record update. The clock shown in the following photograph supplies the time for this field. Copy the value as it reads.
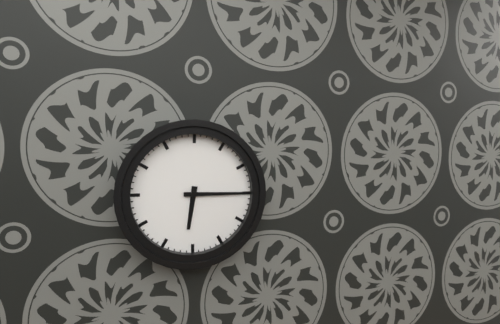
6:15
